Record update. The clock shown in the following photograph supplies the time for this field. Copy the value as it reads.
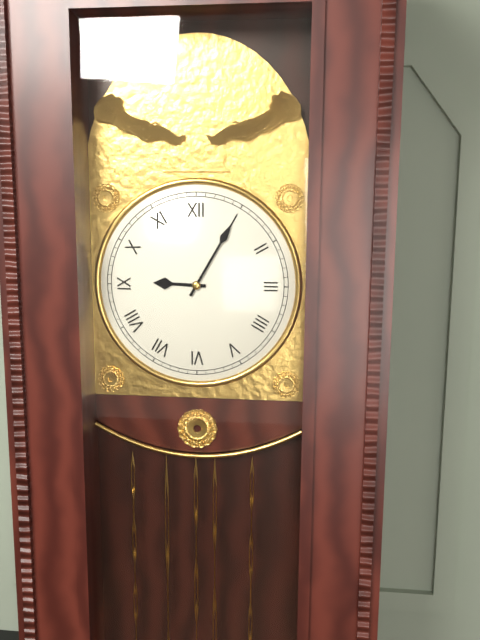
9:05
